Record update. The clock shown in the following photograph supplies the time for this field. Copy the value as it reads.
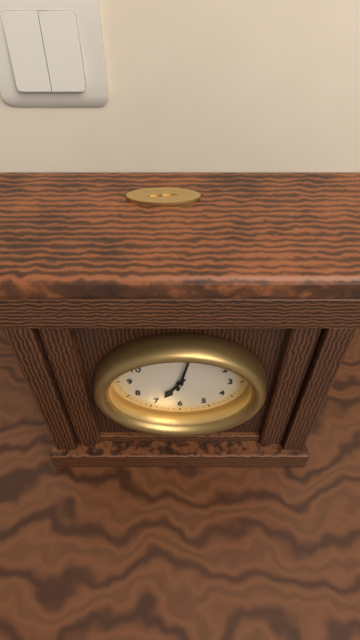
7:02
